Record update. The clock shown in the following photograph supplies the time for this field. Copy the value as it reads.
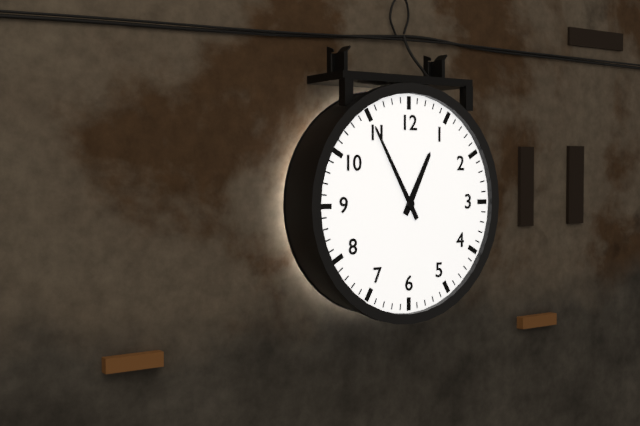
12:55
